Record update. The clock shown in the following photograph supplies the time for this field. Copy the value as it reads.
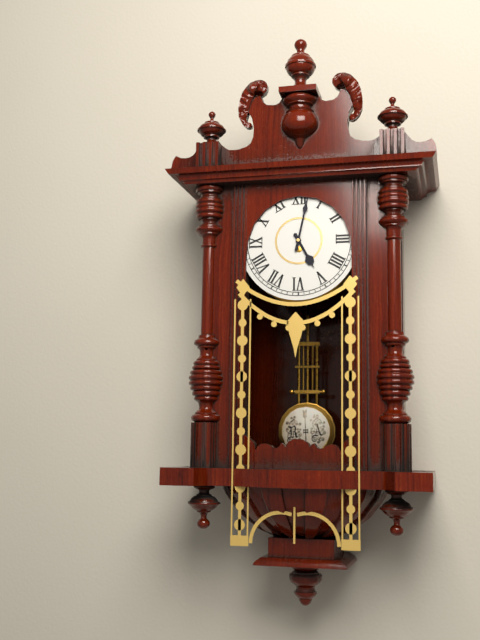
5:02
